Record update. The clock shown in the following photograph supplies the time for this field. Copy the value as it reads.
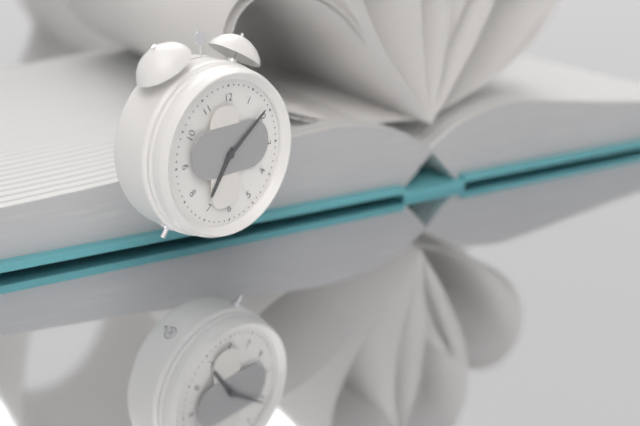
7:09
